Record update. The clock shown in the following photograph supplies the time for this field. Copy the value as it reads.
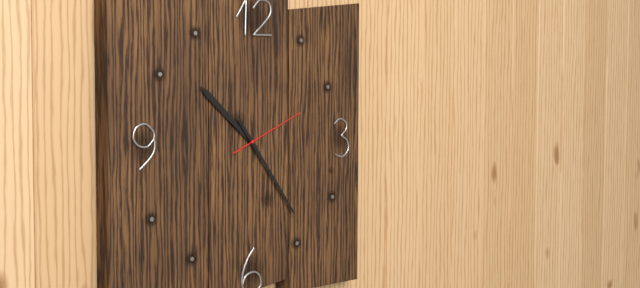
10:24:11
